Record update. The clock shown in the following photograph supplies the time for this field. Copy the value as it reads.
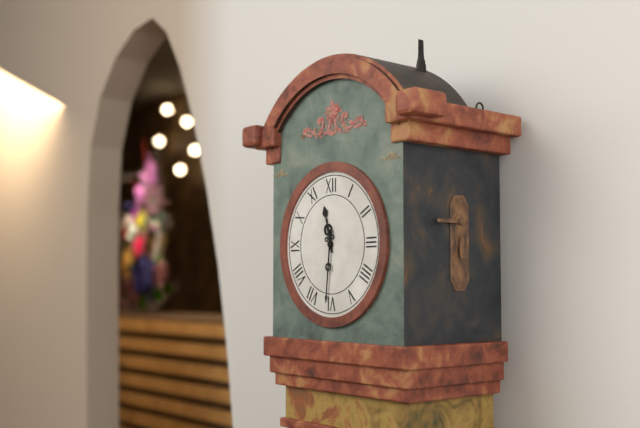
11:31
